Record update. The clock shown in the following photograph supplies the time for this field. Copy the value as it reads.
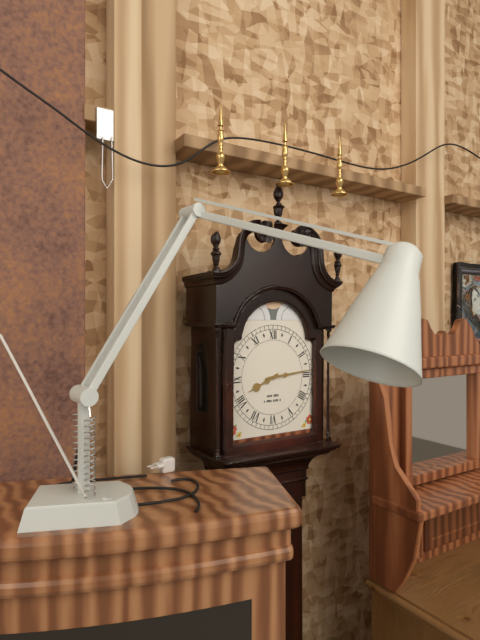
8:14
